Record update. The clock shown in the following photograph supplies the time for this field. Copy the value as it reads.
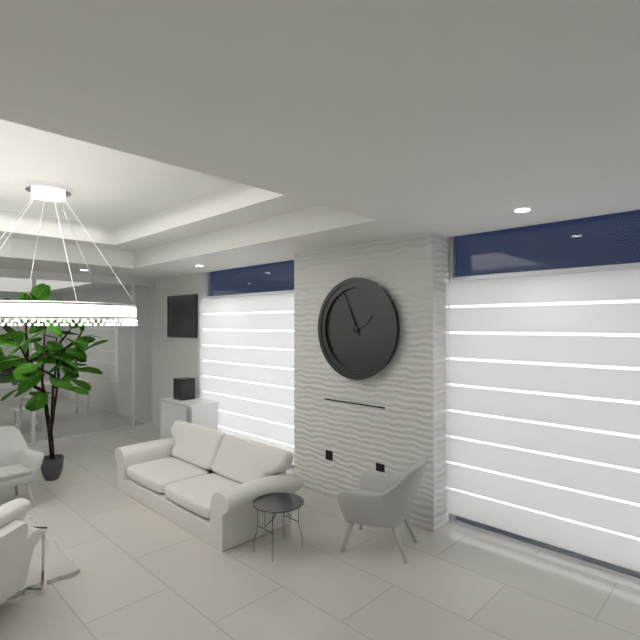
1:56
